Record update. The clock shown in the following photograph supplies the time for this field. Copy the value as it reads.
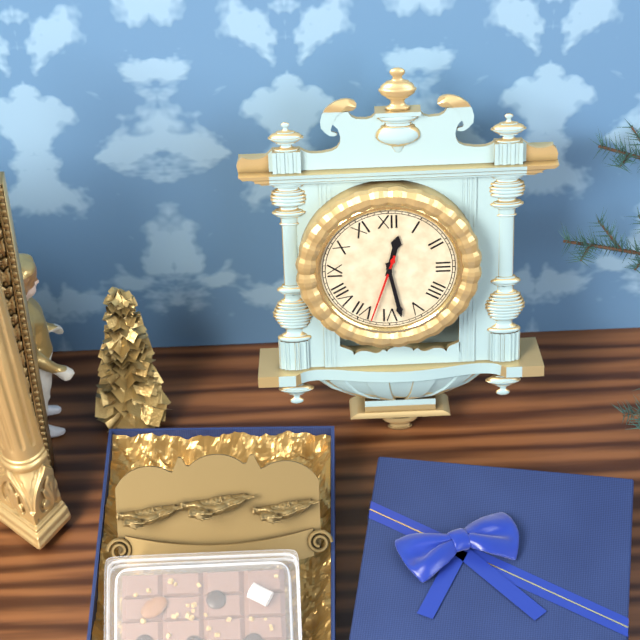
12:28:33
